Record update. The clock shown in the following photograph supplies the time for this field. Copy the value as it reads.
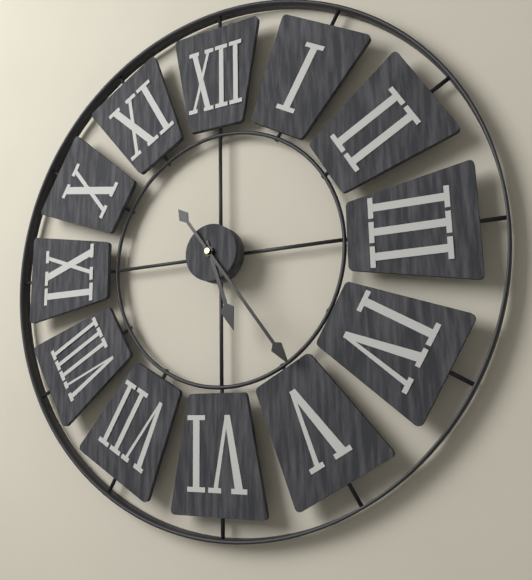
5:24
